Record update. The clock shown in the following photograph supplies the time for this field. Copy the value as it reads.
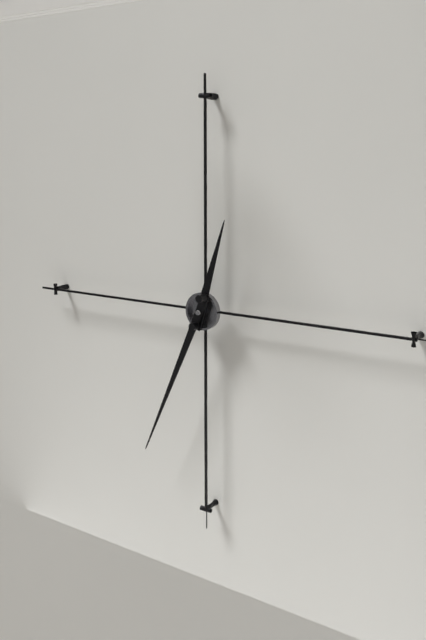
12:34
